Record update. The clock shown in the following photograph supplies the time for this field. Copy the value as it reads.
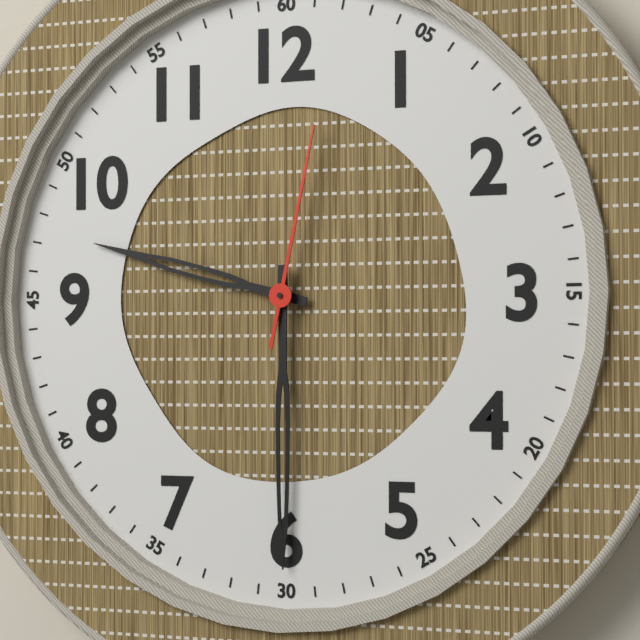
9:30:02
